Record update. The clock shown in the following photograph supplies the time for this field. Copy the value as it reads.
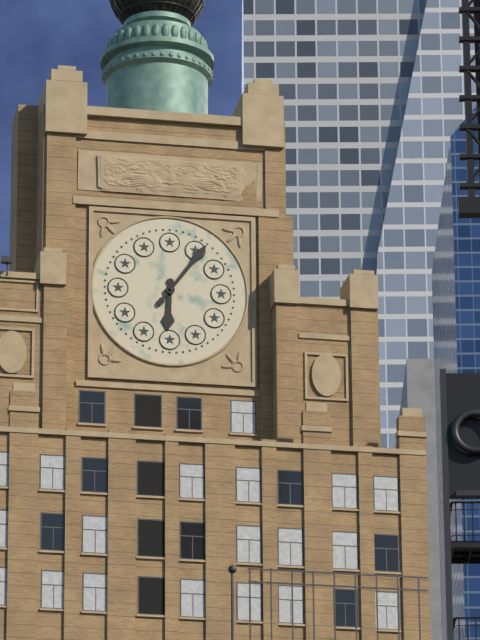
6:06
